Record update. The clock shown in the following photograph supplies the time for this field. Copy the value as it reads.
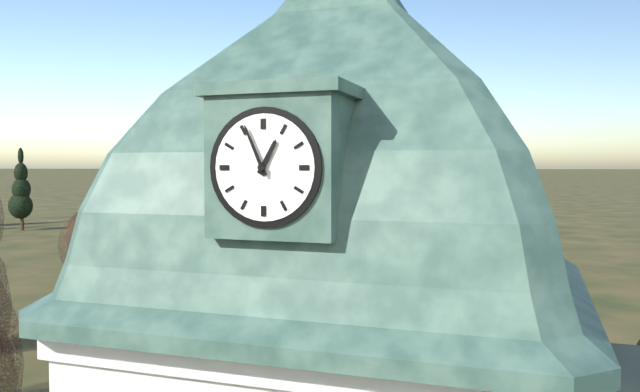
12:56
